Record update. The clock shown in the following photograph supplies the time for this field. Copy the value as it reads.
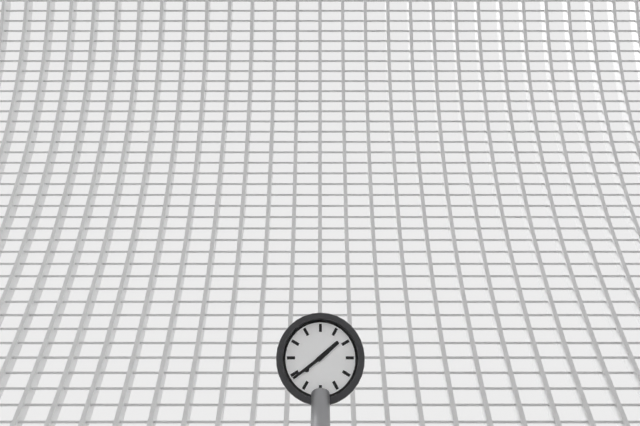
1:39
